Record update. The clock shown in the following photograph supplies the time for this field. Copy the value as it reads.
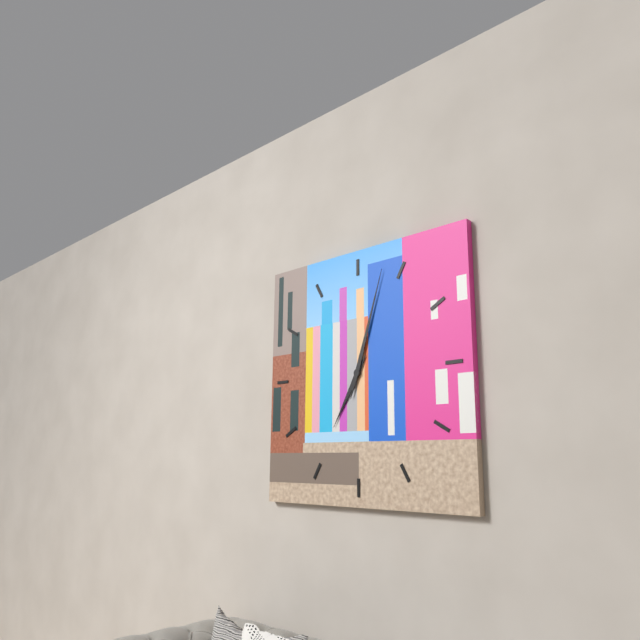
7:03
